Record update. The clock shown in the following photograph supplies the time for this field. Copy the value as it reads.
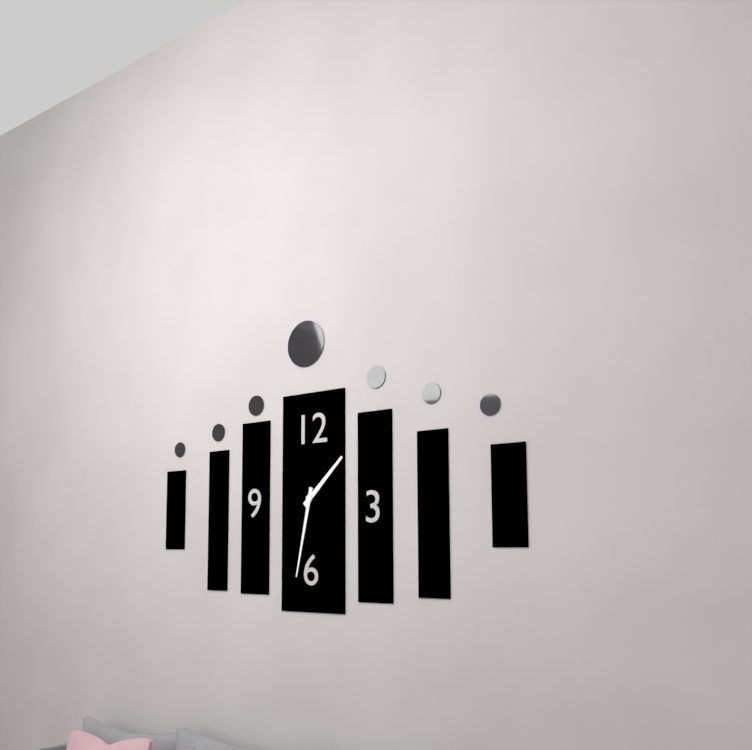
1:32
